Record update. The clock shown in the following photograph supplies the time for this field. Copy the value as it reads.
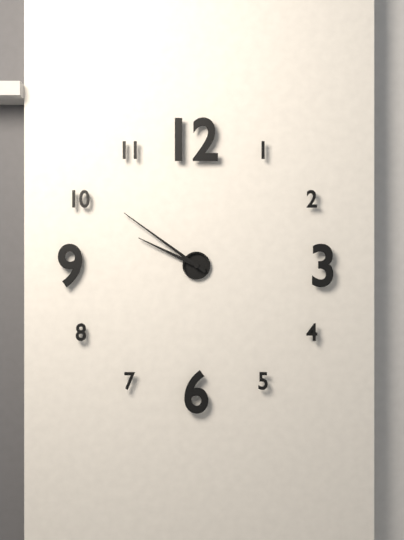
9:51
